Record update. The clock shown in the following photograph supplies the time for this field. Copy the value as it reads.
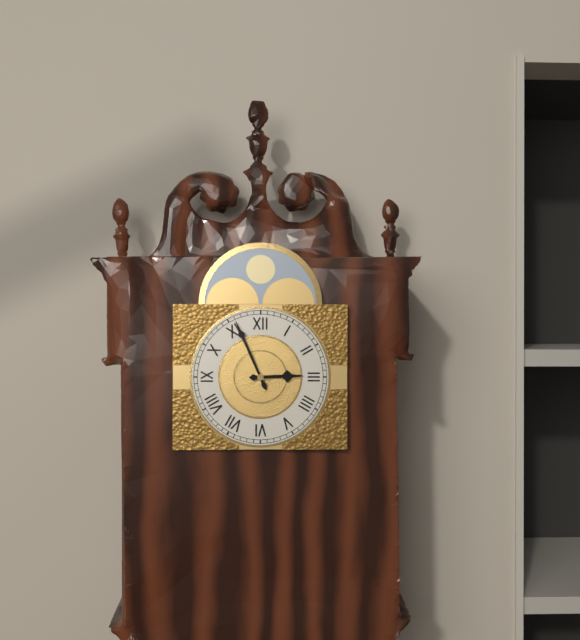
2:56
